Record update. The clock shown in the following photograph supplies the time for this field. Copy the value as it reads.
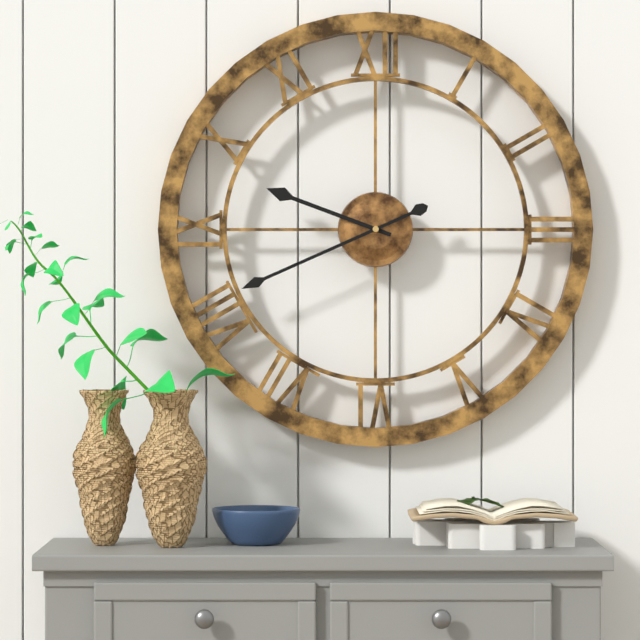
9:41
